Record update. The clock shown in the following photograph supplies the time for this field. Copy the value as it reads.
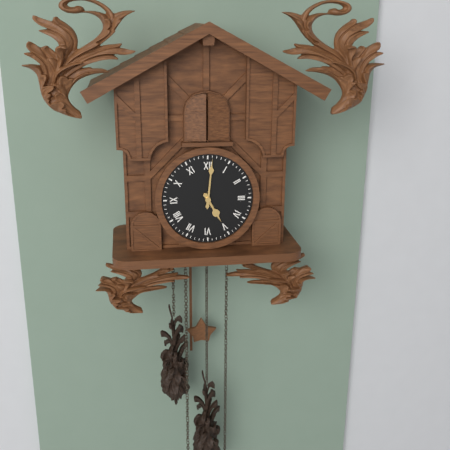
5:01
